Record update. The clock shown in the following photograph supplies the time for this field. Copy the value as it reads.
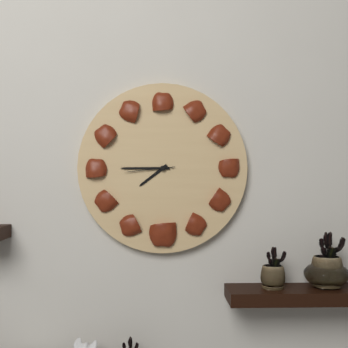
7:45
